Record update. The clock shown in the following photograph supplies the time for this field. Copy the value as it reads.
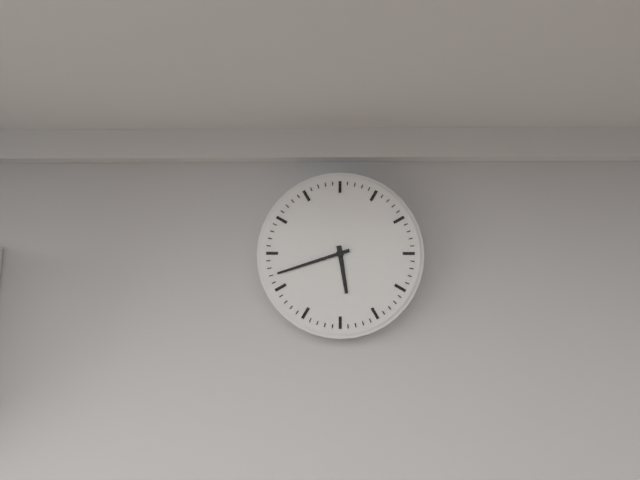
5:42
